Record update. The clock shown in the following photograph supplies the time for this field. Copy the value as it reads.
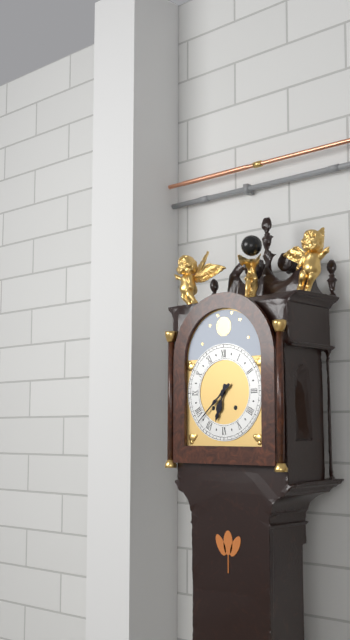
6:38
